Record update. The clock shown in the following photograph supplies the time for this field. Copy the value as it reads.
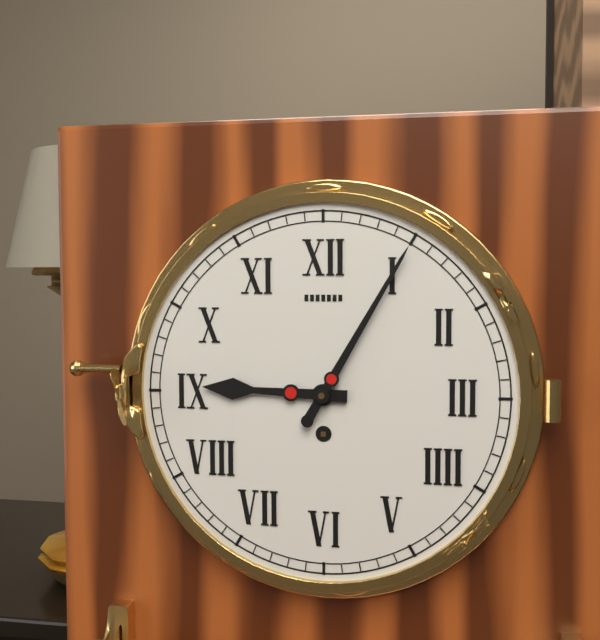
9:05
